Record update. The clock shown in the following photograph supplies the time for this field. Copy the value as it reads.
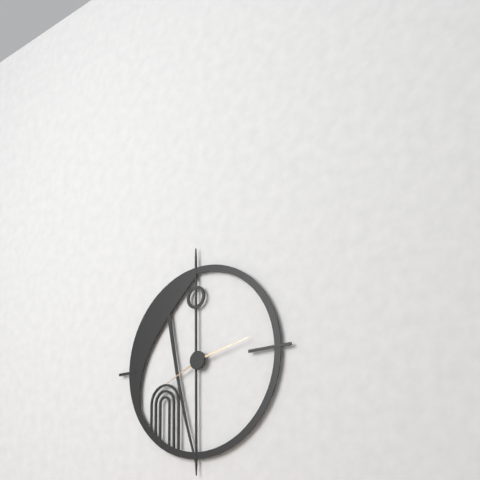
8:13
